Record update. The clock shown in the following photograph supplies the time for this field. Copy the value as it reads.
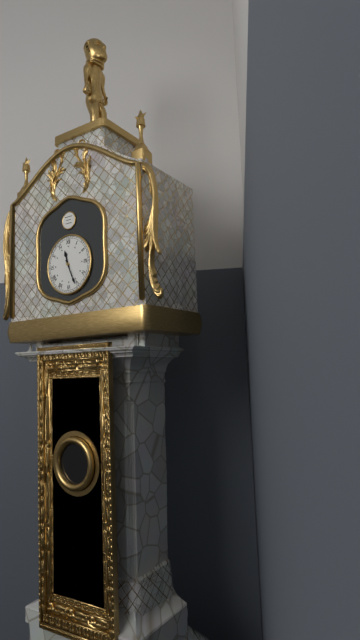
11:26
